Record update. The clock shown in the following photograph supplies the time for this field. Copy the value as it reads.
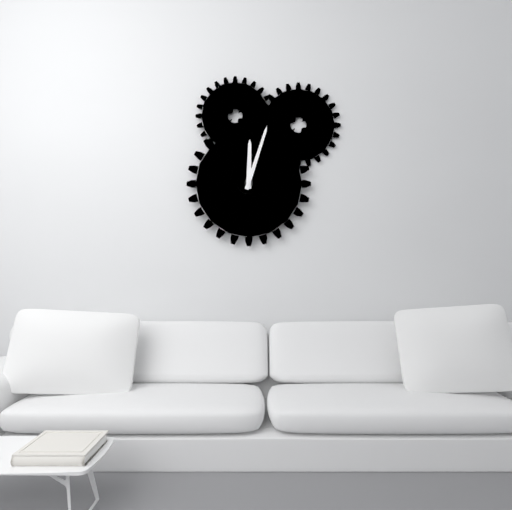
12:03
